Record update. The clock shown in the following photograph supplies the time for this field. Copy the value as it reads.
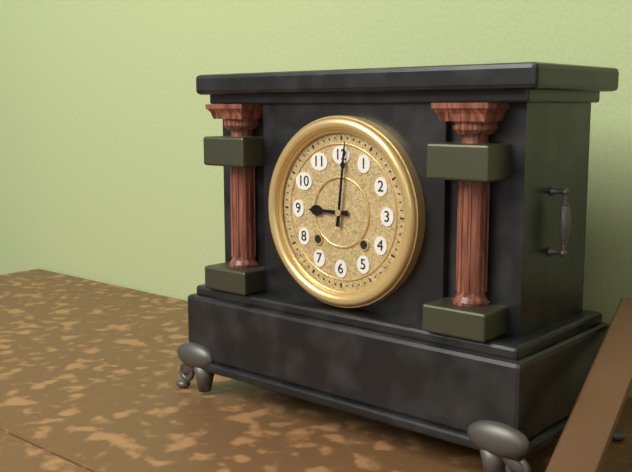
9:01
